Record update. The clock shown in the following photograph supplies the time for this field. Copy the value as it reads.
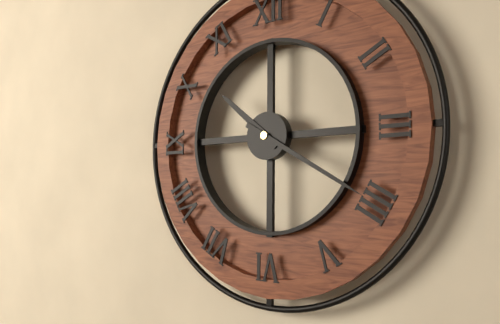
10:20
